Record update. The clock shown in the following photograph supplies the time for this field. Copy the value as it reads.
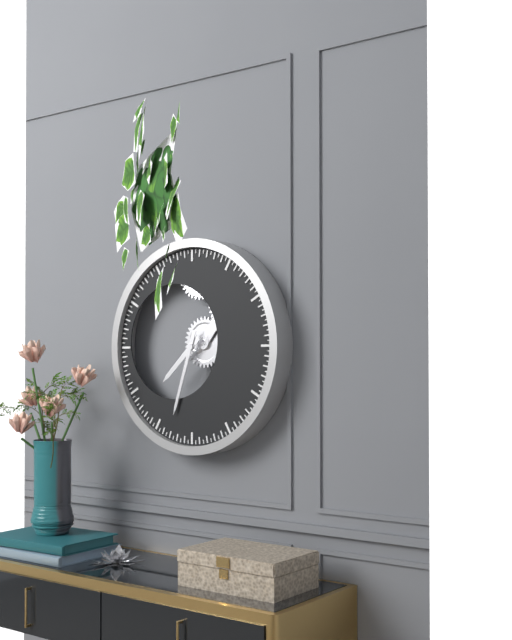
7:33
